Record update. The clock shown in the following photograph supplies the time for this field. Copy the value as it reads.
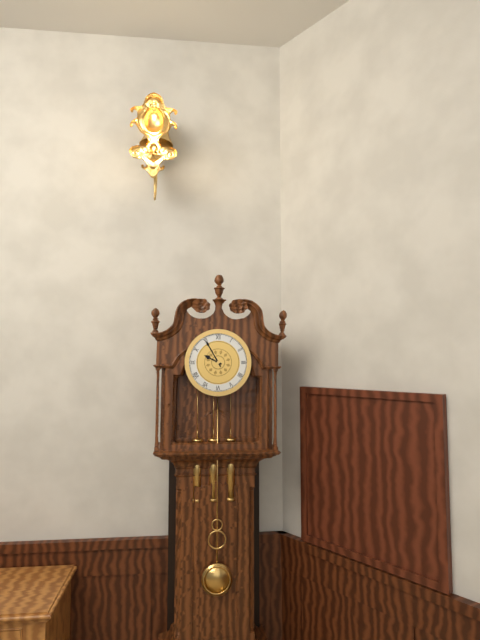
9:55
